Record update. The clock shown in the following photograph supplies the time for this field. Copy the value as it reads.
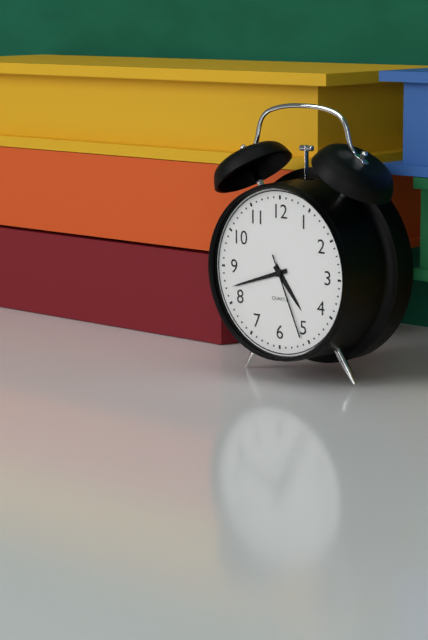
4:42:26
